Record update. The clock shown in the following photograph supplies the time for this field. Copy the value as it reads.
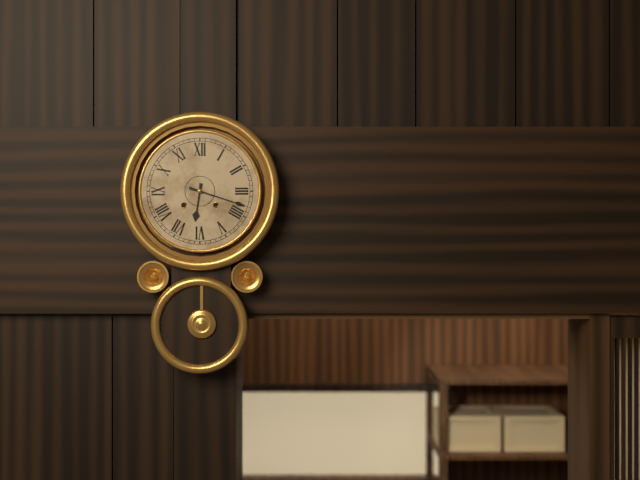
6:18
